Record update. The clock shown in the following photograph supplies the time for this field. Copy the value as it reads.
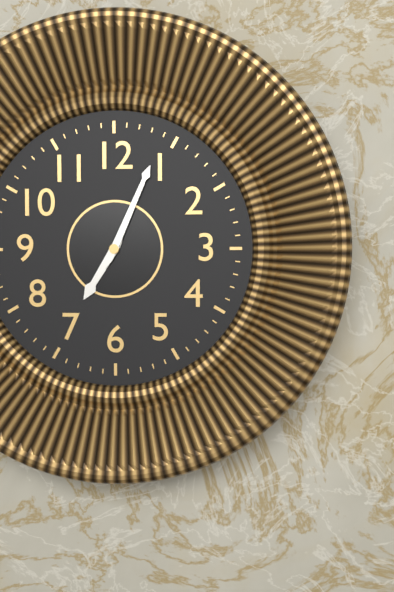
7:04
